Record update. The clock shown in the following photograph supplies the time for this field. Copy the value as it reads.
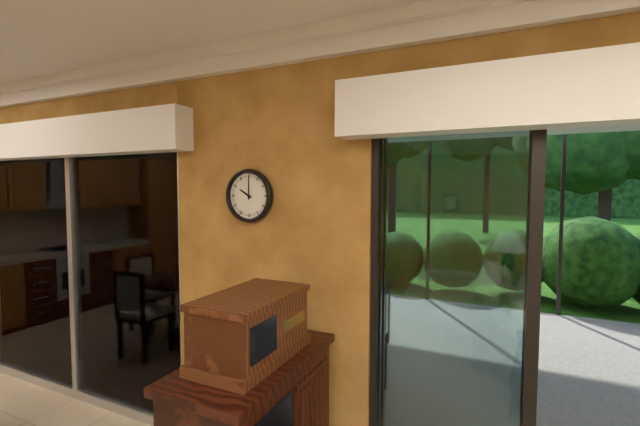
10:00
